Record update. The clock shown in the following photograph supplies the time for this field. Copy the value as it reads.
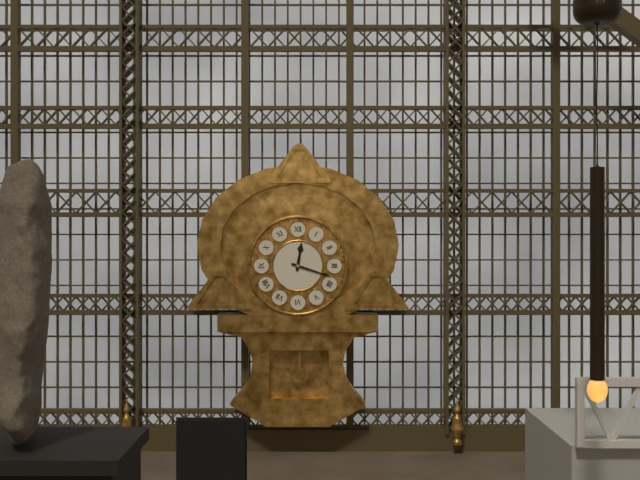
12:18
